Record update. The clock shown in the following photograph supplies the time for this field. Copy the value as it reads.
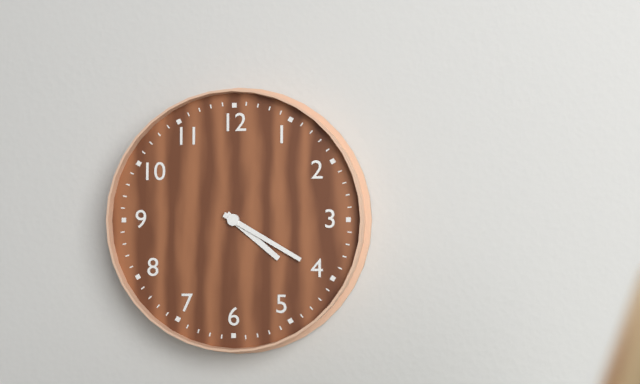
4:20
